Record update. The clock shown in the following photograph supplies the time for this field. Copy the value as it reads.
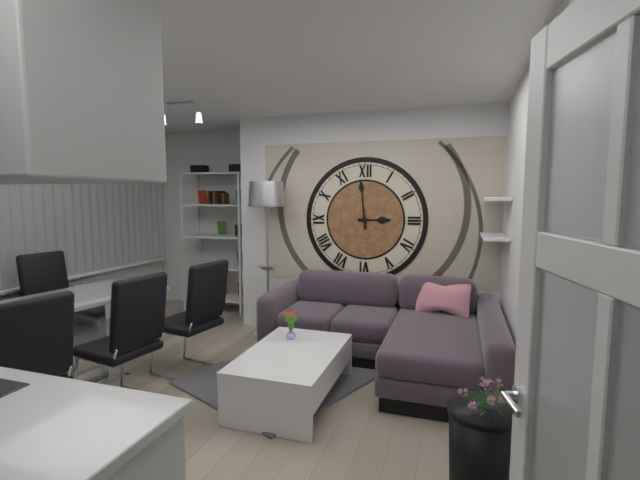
2:59
